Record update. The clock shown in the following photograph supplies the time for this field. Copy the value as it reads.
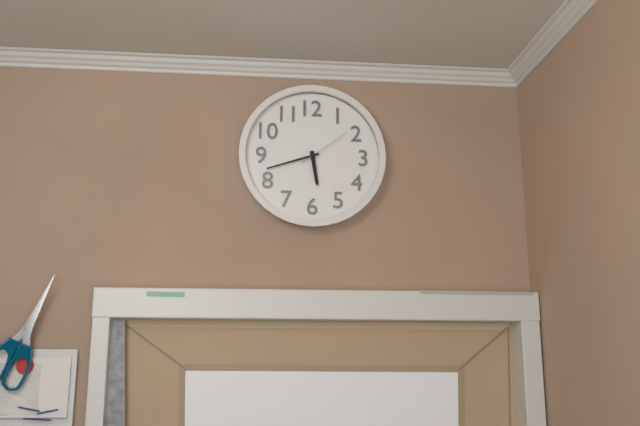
5:42:09
